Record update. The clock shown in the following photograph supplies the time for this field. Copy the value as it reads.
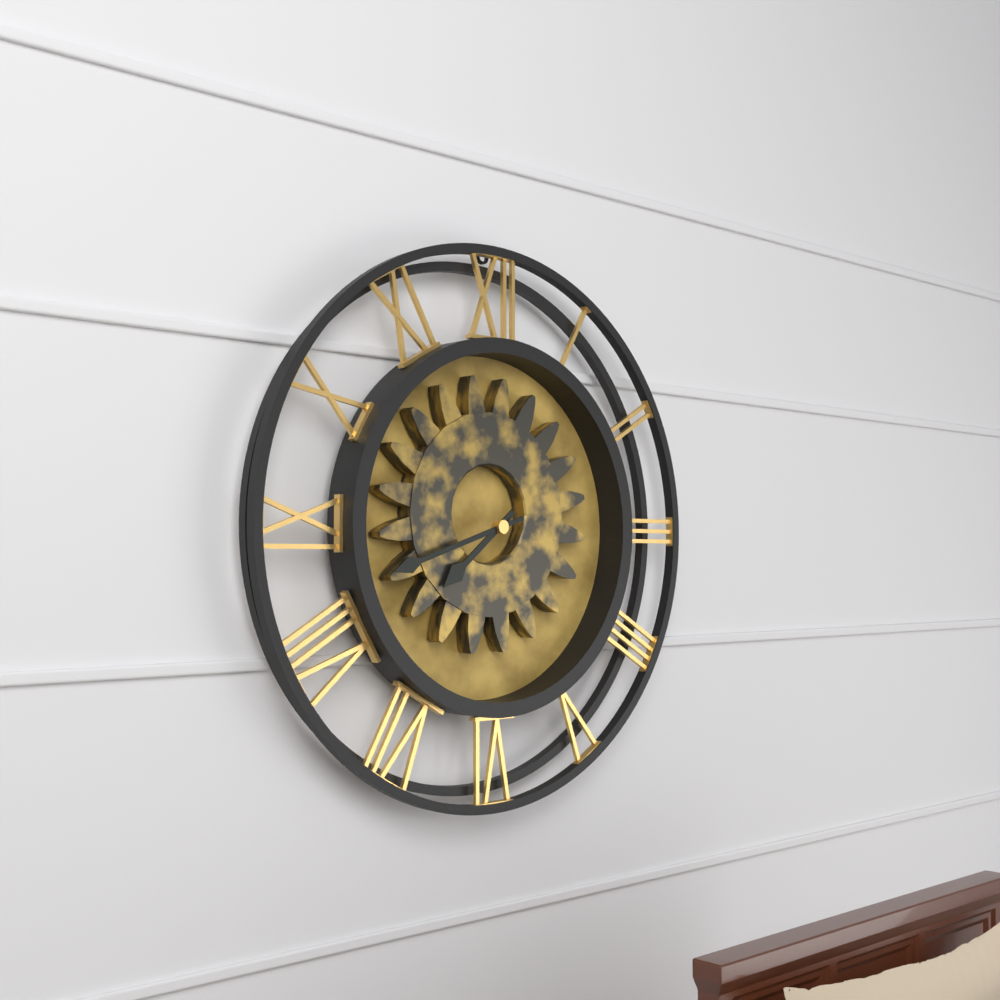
7:42
